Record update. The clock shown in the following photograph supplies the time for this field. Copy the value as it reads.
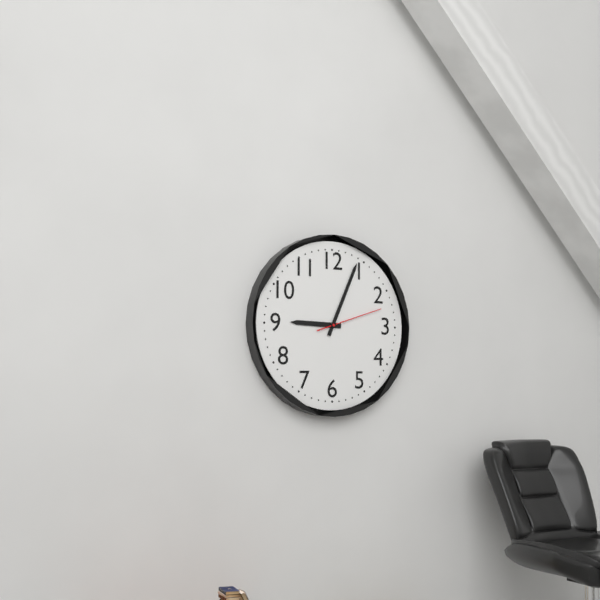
9:04:12
